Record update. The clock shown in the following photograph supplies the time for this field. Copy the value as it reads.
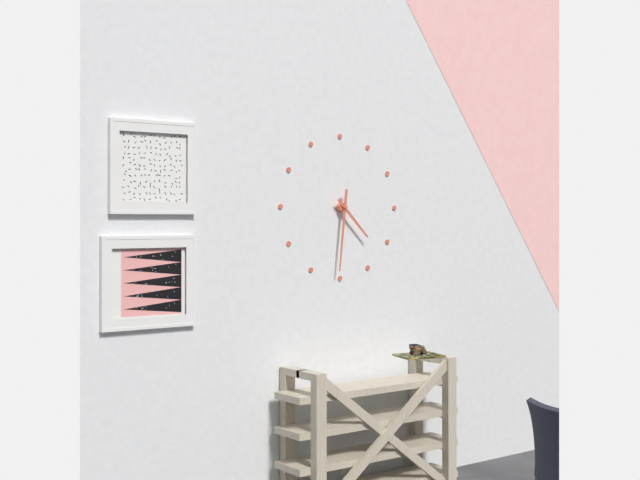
4:31
